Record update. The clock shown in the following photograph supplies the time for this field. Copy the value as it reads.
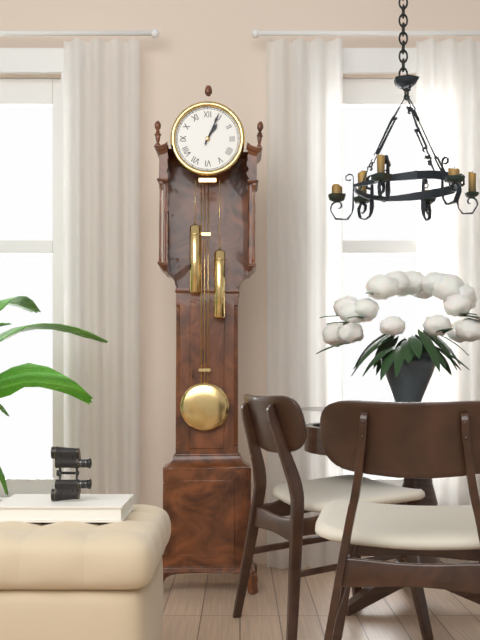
1:04
